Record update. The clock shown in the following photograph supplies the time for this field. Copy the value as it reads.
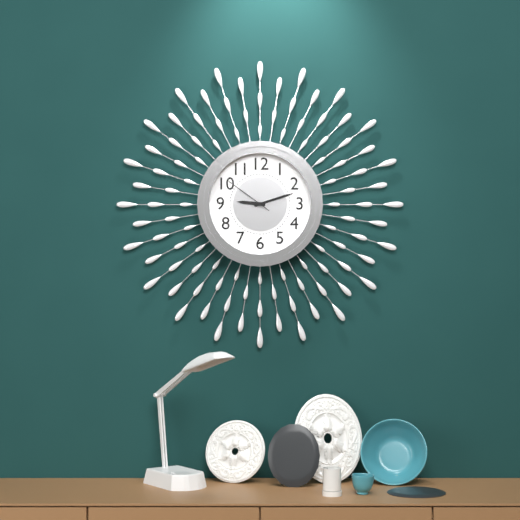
9:12
